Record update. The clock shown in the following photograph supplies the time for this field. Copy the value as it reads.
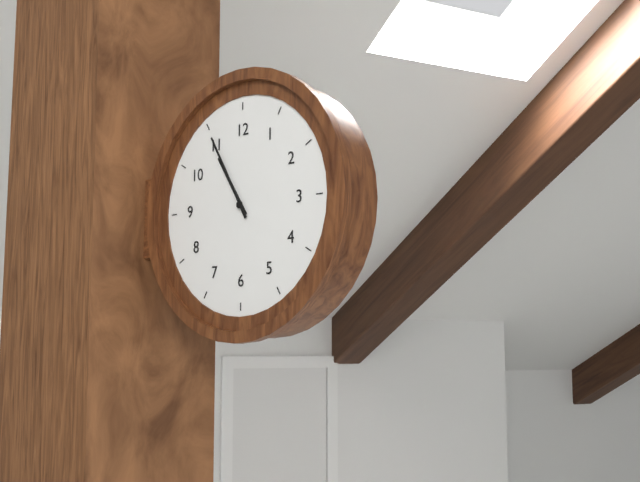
10:55
